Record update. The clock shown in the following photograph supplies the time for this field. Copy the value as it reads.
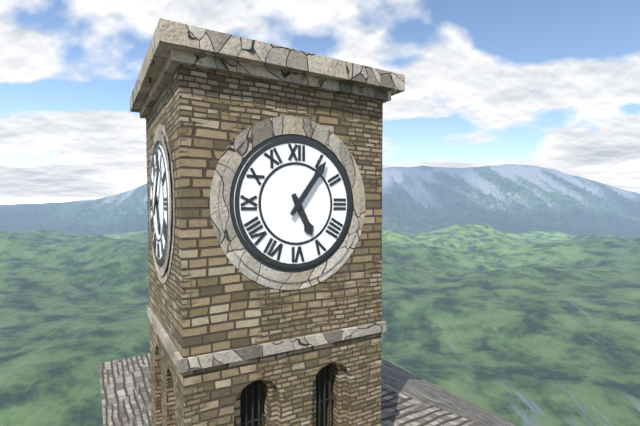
5:06
